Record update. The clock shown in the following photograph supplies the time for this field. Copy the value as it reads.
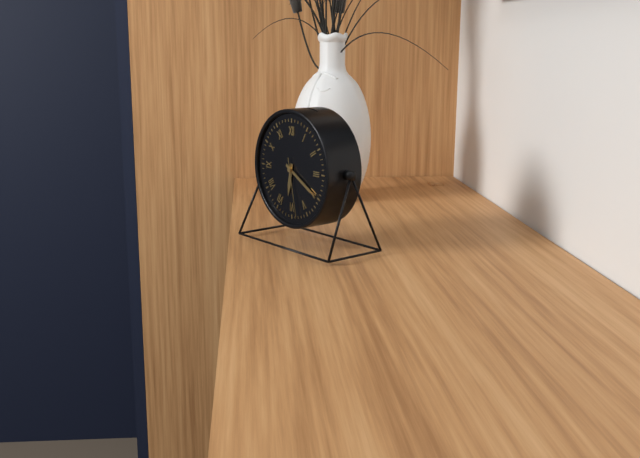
6:20:28
